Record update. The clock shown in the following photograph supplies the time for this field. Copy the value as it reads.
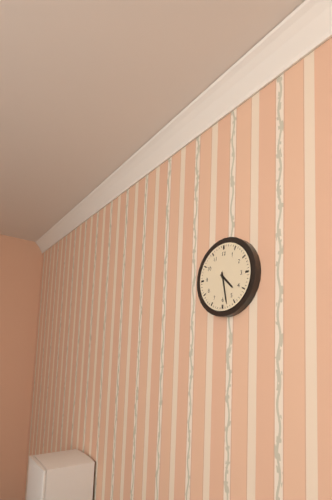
4:28
